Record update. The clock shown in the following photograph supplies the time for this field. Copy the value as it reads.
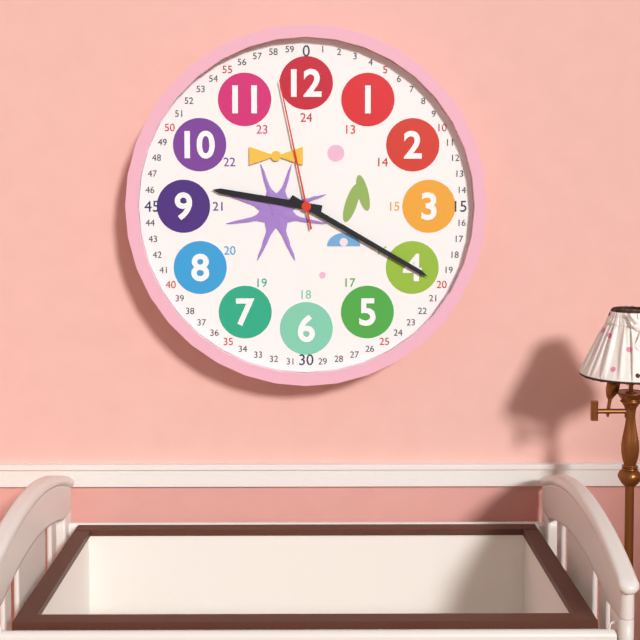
9:20:58
